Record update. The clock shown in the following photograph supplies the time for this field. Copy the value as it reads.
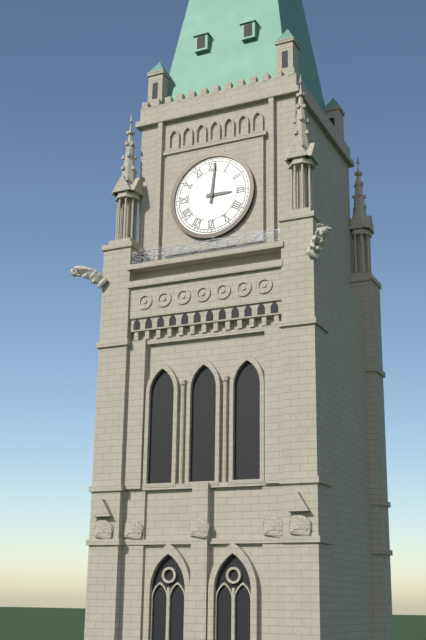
3:01
